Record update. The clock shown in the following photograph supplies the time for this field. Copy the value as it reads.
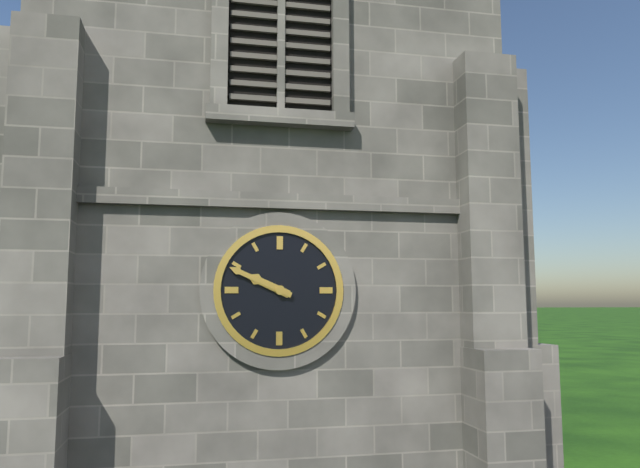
9:49
